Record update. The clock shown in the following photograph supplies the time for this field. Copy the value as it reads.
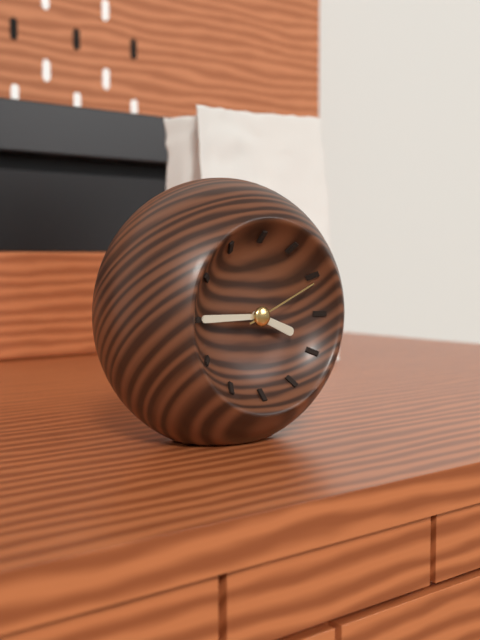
3:45:11
